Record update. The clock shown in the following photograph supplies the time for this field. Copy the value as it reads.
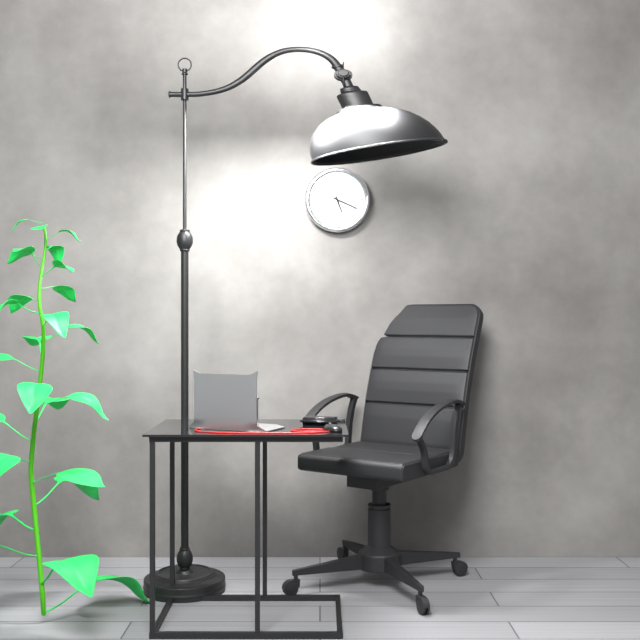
5:19
